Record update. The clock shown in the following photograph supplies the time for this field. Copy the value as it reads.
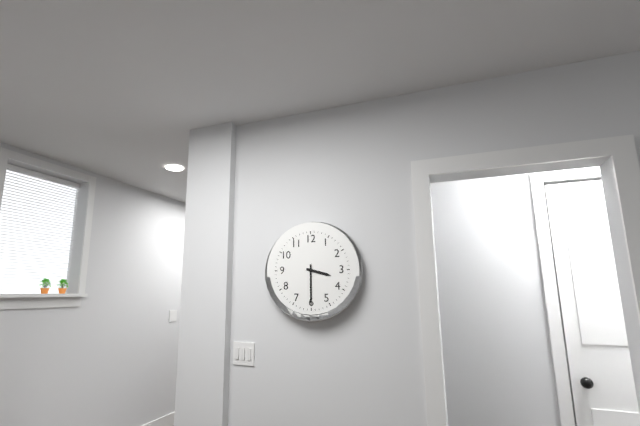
3:30
